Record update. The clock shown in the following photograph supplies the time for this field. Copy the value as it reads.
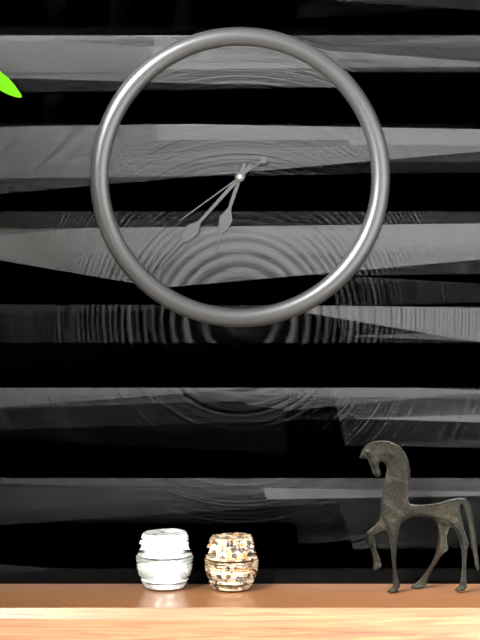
6:37:39
